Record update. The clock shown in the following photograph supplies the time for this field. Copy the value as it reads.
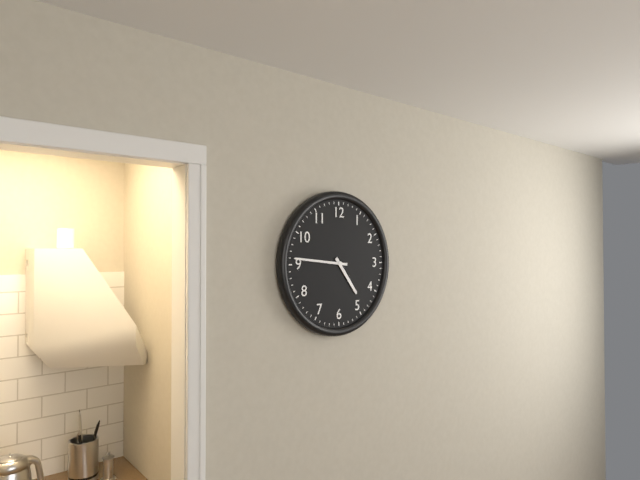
4:46
